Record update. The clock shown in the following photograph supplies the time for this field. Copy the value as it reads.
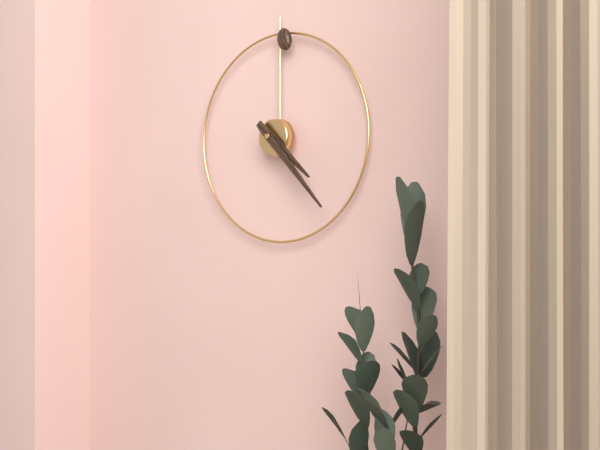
4:23
